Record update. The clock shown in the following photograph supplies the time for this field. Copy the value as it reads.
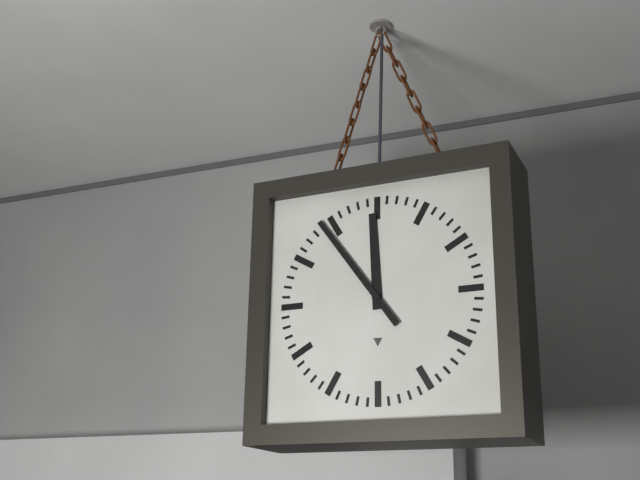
11:54
